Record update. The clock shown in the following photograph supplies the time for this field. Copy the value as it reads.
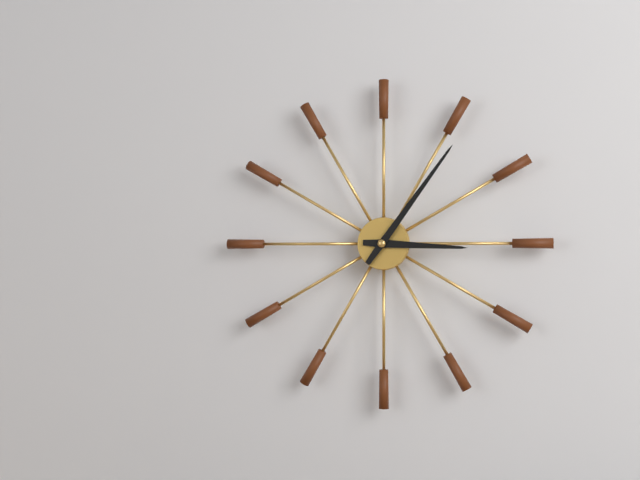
3:06
